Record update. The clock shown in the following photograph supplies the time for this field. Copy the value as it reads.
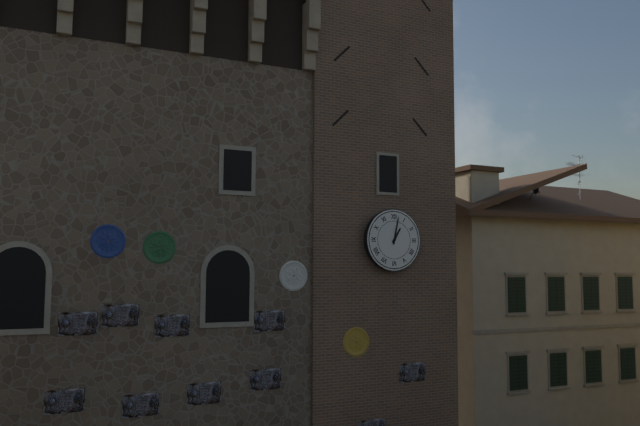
1:02
